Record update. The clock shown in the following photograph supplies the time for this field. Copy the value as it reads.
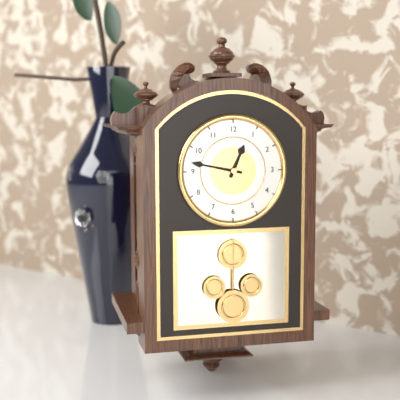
12:47
